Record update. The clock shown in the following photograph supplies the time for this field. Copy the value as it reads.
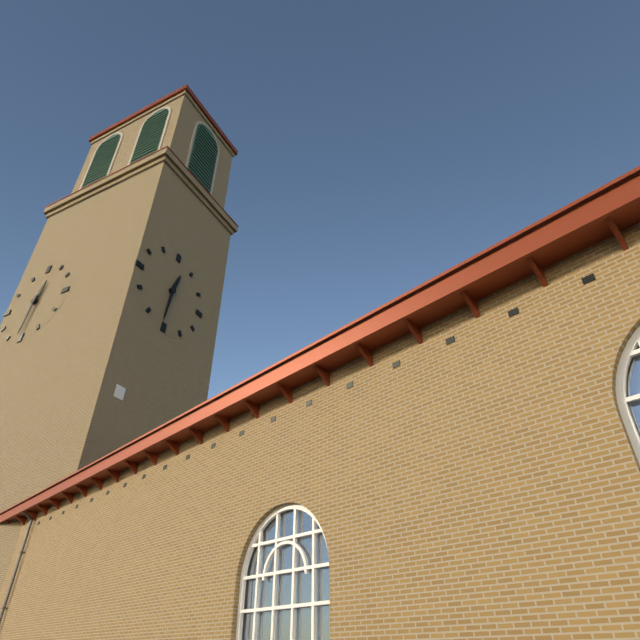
12:31
